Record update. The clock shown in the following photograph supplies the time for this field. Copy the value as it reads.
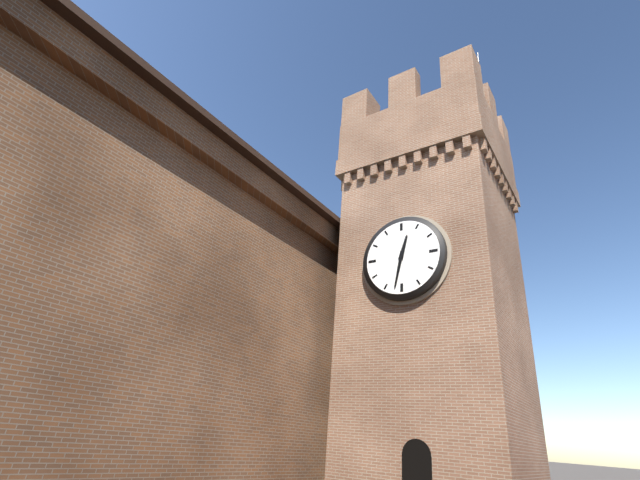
12:32
